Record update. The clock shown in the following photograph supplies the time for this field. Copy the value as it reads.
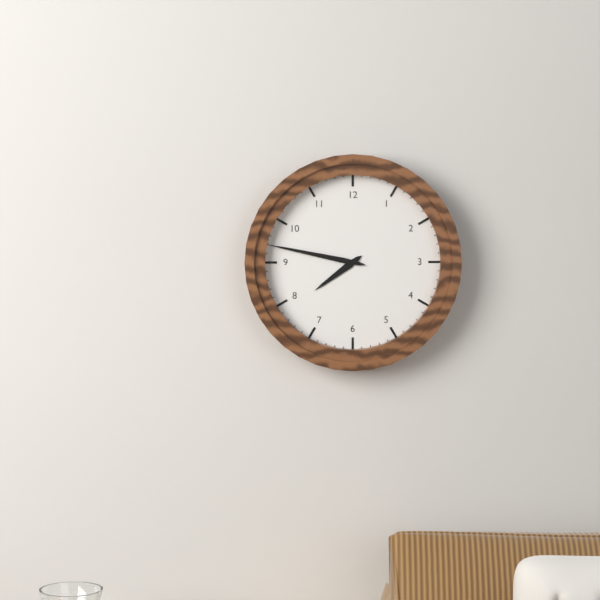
7:47
